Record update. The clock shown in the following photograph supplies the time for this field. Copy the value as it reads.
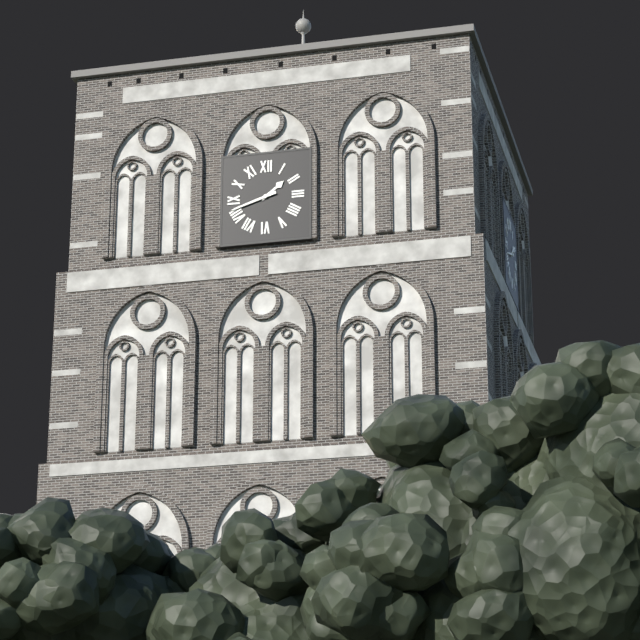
1:42
